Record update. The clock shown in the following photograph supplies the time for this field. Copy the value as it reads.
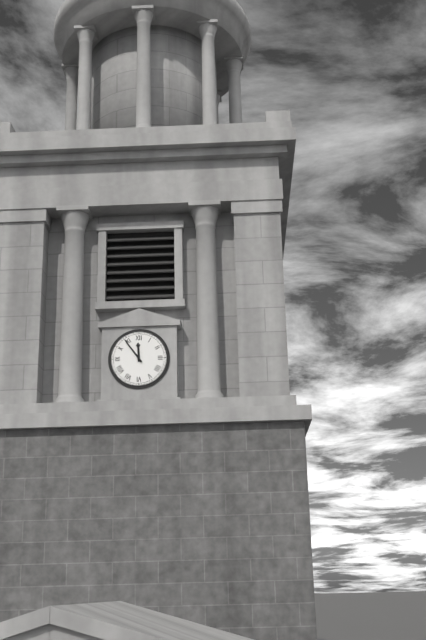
11:54
